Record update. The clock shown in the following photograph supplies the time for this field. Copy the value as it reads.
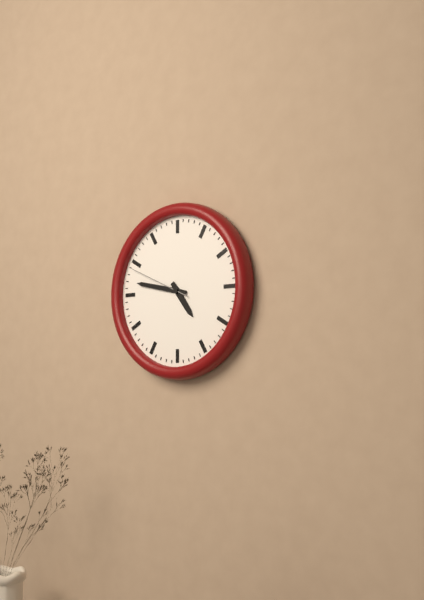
4:47:49
